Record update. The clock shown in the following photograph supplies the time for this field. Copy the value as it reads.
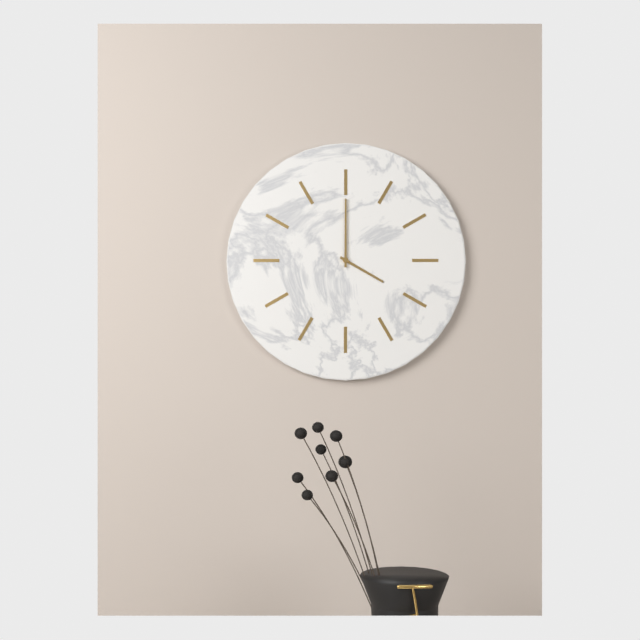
4:00
